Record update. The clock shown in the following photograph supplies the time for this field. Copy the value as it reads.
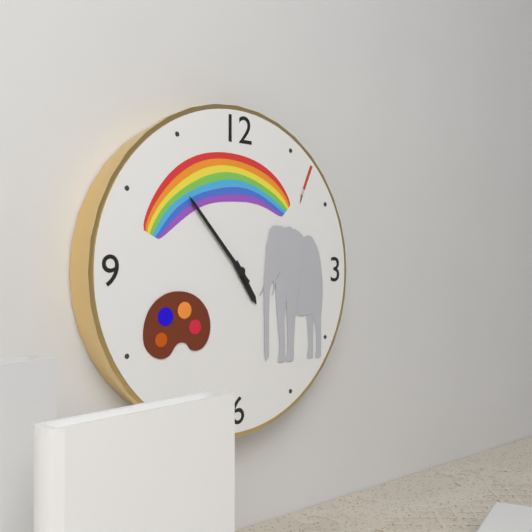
4:53
